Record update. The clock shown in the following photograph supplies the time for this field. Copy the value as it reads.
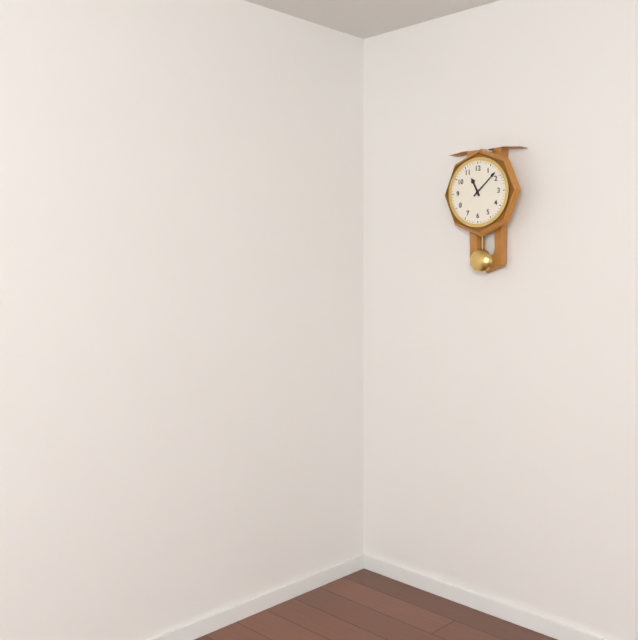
11:08
